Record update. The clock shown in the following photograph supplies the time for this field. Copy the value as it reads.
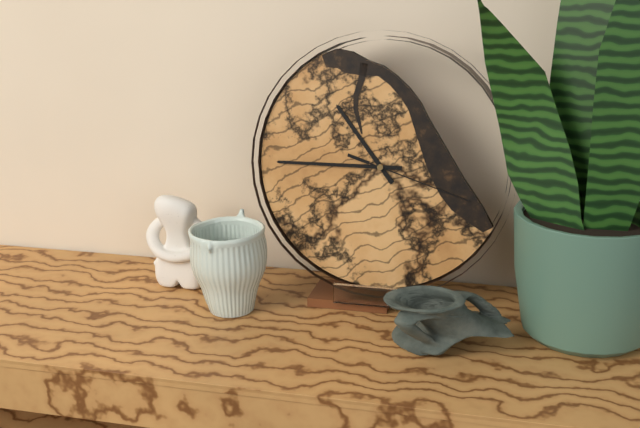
10:45:18
